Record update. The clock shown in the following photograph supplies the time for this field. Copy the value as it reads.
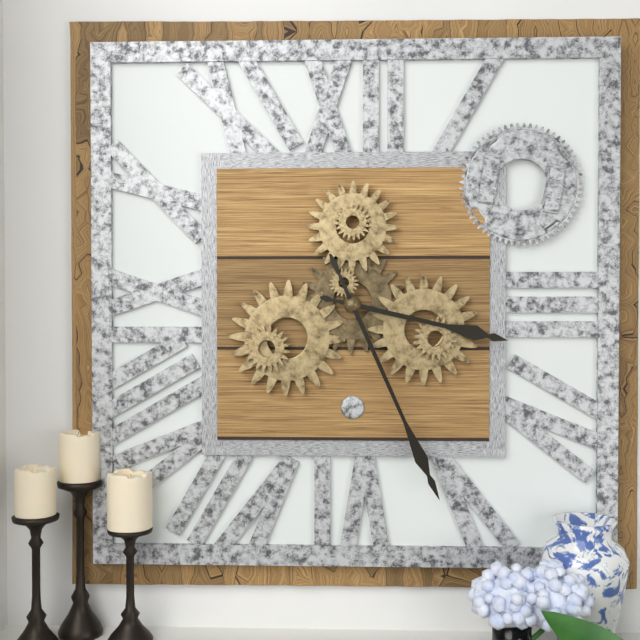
3:26
